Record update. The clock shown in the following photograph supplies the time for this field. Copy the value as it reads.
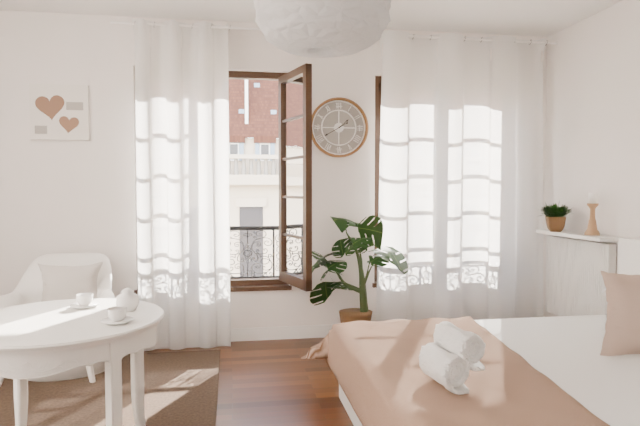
1:40
